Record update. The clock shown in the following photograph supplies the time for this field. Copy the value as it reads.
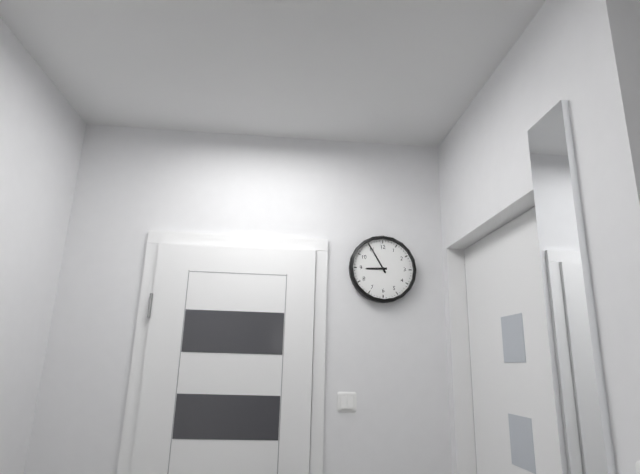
8:55
